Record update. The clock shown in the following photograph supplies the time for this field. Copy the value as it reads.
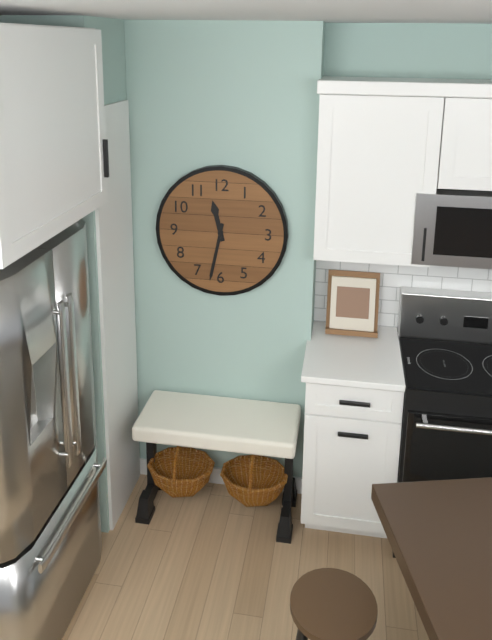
11:32
